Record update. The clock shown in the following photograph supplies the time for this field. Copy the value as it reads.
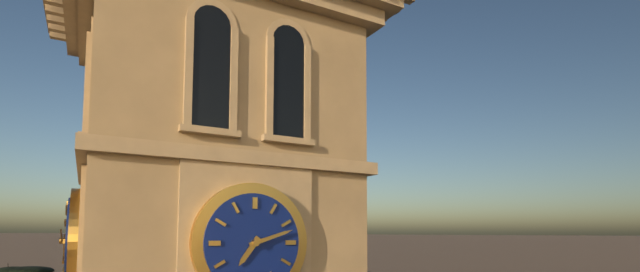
7:12
